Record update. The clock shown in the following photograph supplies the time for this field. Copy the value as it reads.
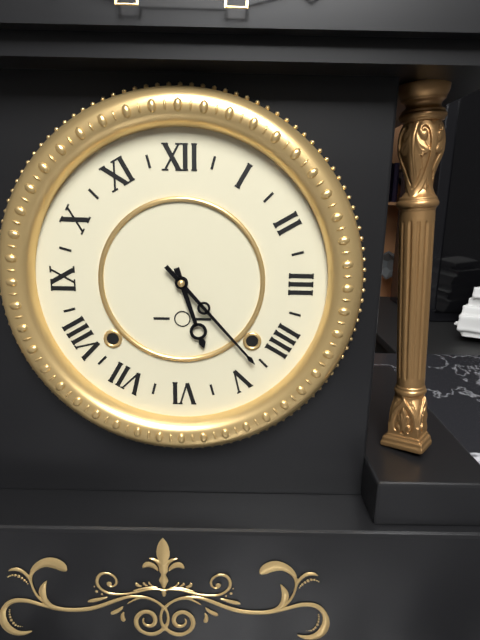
5:23
